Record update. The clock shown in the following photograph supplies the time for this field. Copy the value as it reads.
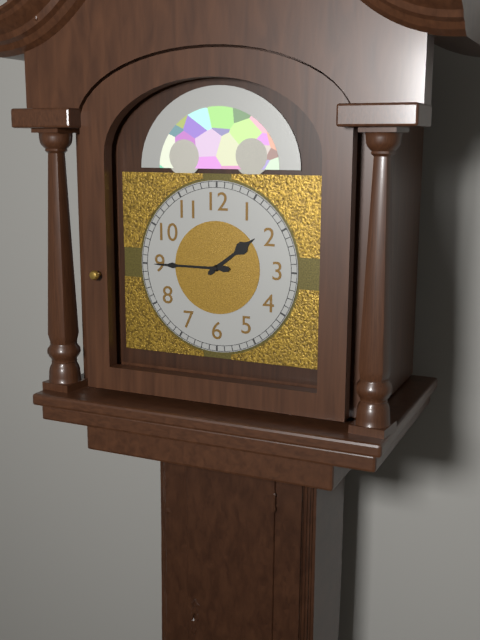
1:45
